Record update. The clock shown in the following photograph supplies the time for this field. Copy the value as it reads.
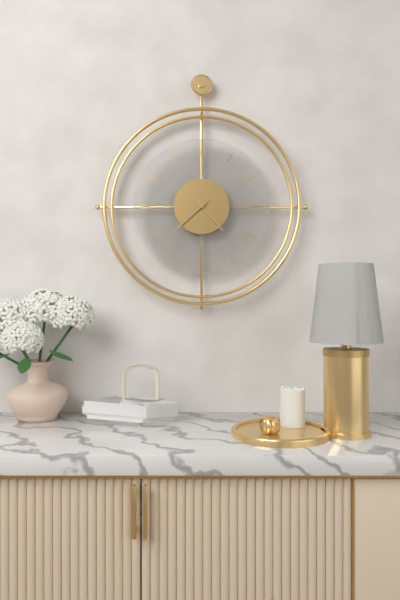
4:38
